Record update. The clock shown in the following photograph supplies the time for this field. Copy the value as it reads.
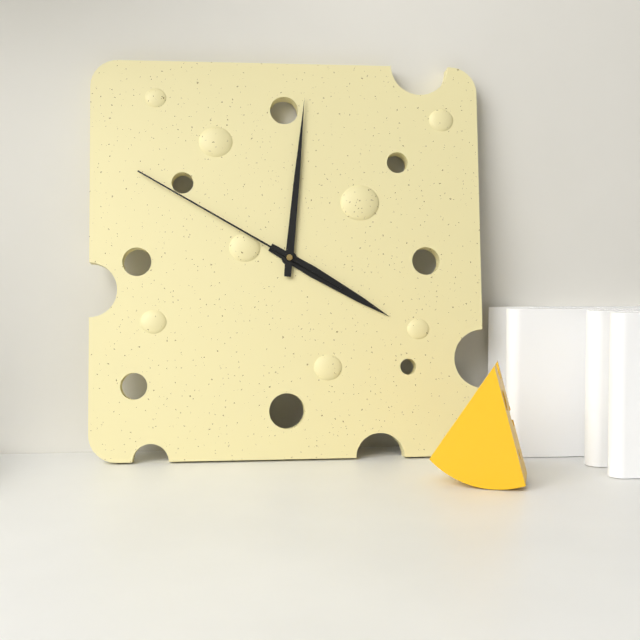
4:01:50
